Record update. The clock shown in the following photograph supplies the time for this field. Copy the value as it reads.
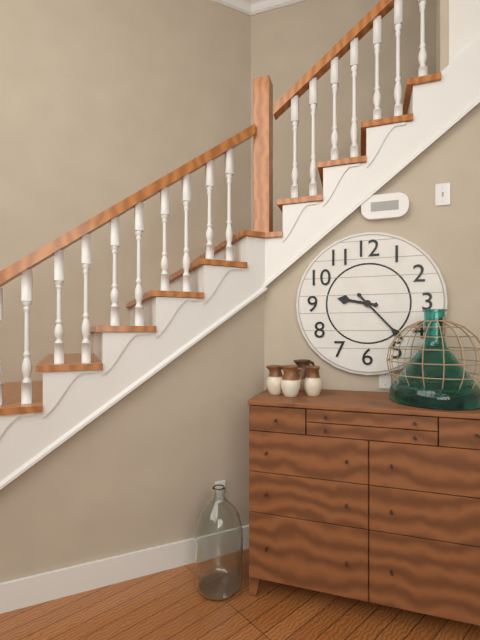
9:23
